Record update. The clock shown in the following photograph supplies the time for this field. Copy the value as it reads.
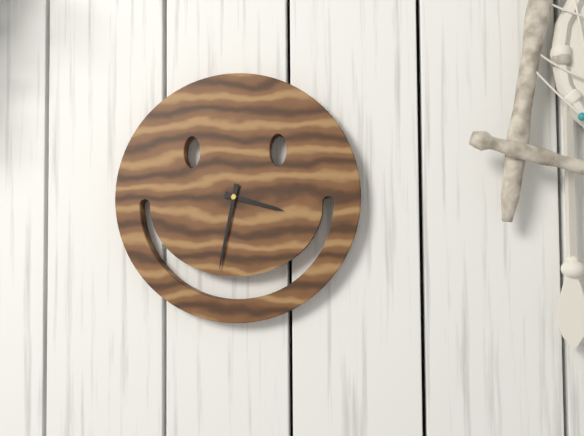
3:32
